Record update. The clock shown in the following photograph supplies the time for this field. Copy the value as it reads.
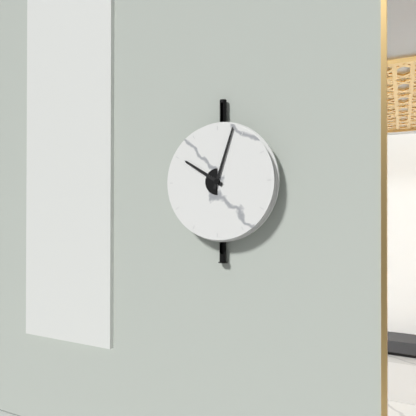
10:03
